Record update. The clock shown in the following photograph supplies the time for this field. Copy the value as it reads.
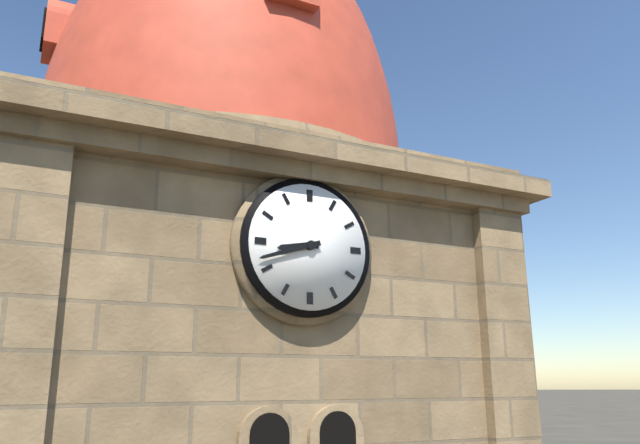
8:42
